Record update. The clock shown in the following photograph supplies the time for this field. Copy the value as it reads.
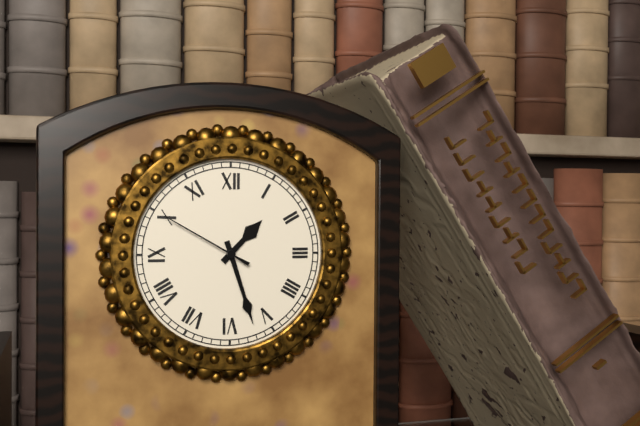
1:27:50
